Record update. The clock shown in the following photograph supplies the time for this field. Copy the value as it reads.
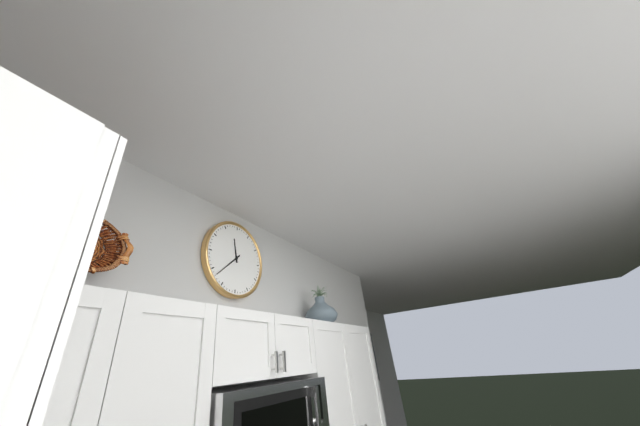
11:38
